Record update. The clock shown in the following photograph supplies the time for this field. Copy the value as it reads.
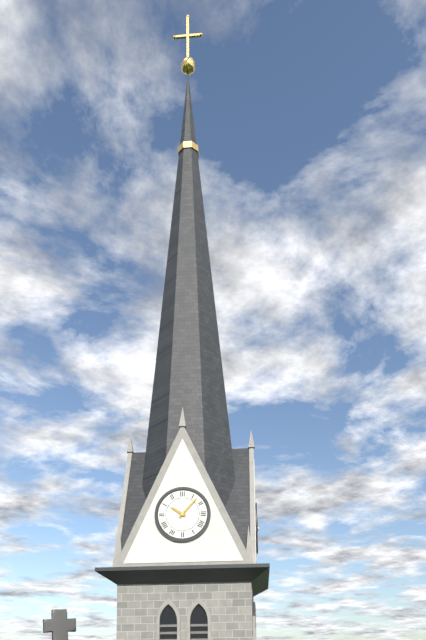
10:07
